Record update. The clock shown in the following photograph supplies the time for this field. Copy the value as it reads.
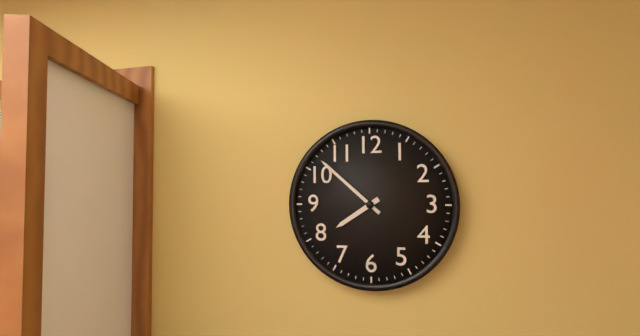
7:52
